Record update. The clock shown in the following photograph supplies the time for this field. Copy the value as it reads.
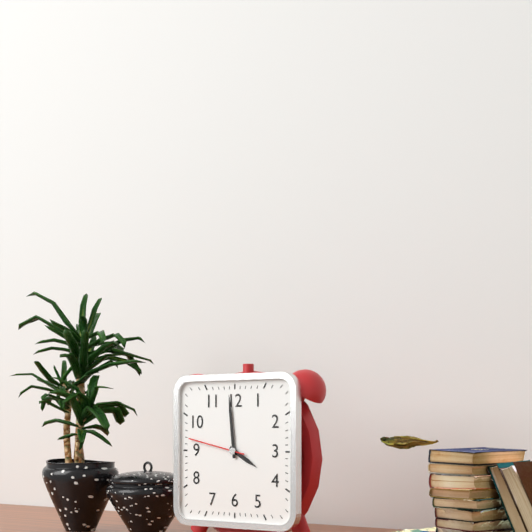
3:59:47
